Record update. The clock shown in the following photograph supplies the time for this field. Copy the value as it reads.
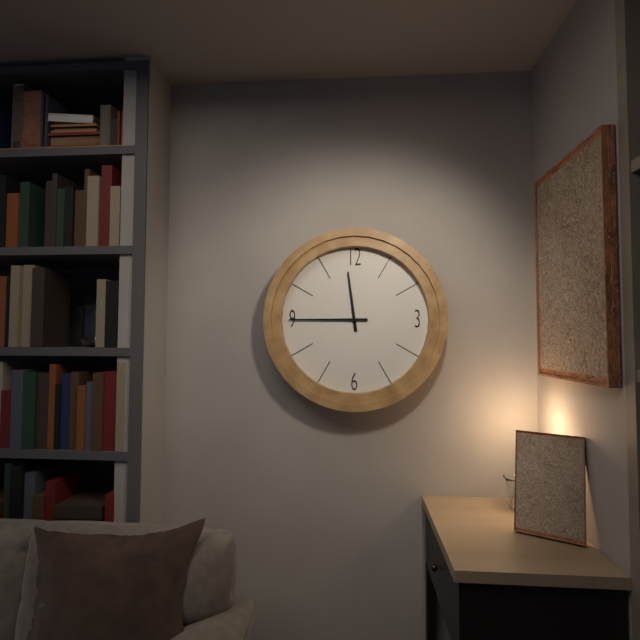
11:45
